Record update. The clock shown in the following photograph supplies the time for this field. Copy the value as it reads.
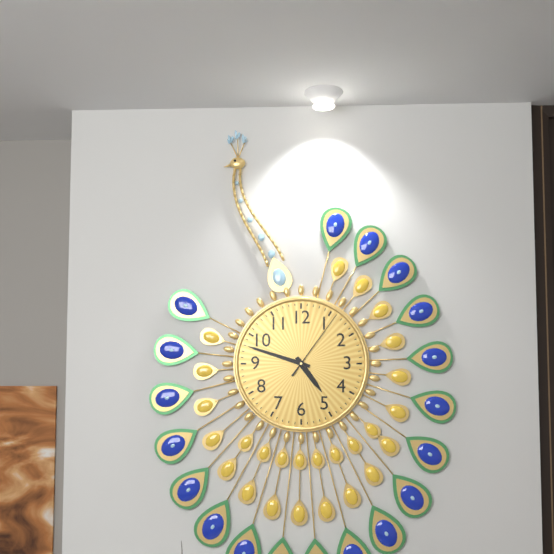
4:48:06
